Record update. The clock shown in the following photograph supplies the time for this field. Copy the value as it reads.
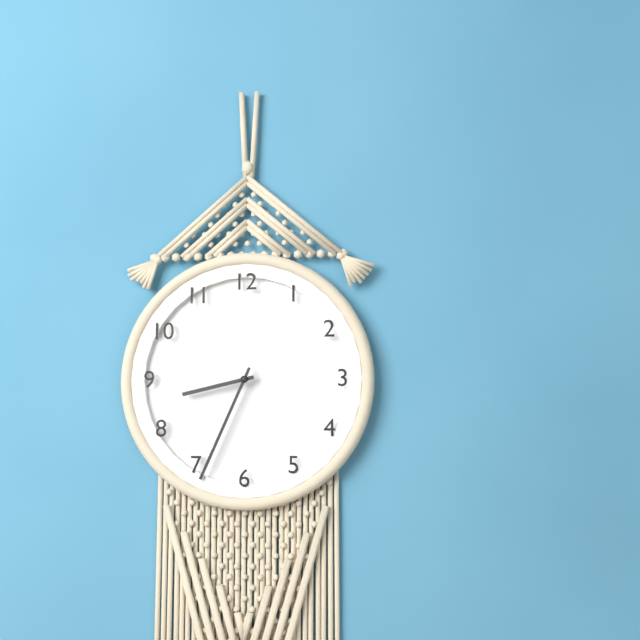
8:34
